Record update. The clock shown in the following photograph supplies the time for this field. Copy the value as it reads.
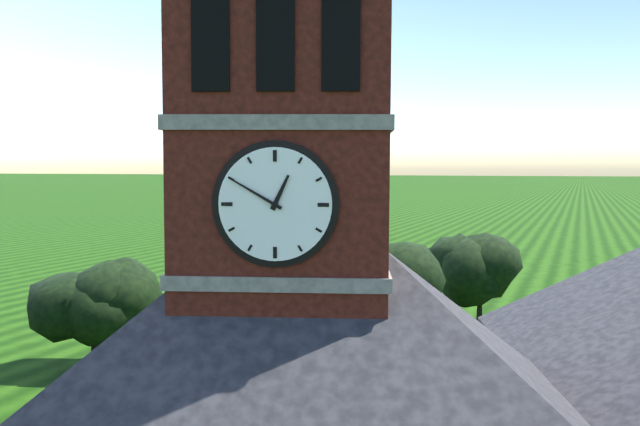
12:50
